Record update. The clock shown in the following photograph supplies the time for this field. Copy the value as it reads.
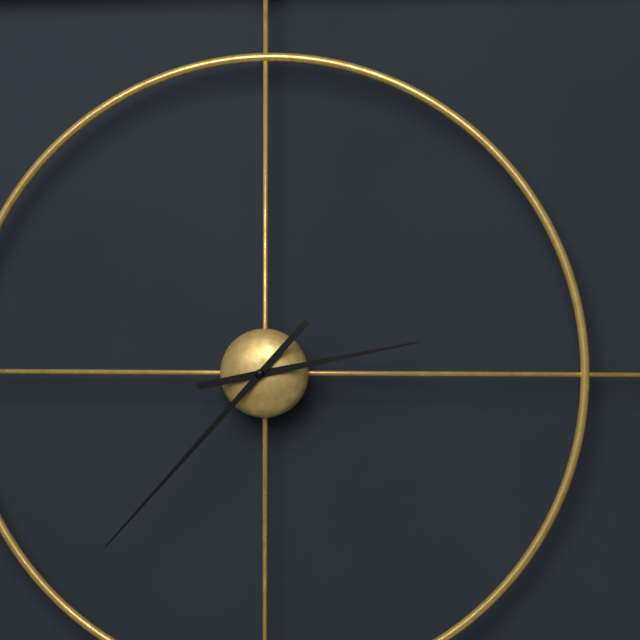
2:37
